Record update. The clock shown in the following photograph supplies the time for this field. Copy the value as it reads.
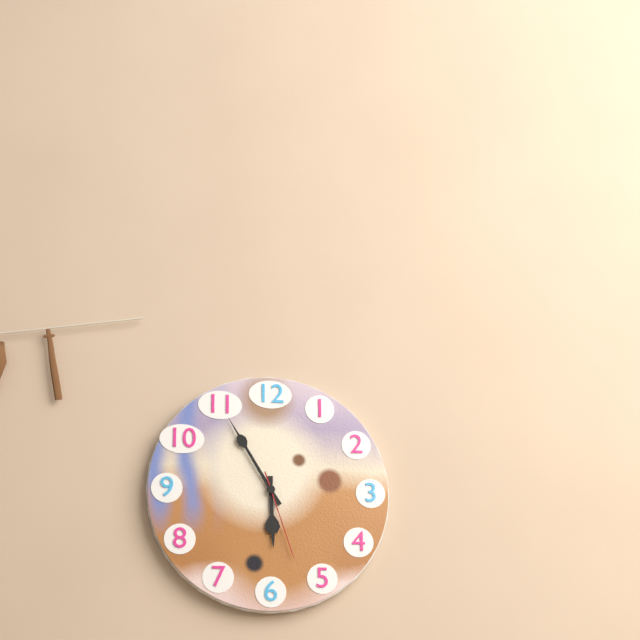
5:55:27
